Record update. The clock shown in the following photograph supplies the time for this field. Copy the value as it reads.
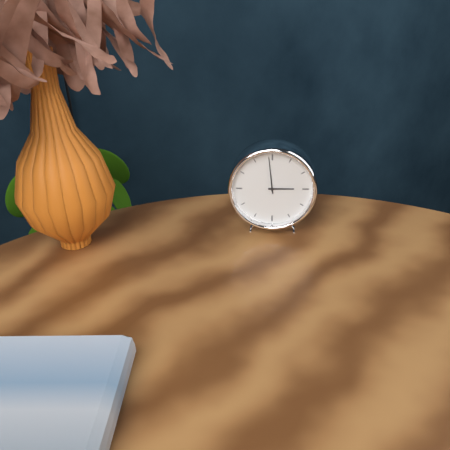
2:59
